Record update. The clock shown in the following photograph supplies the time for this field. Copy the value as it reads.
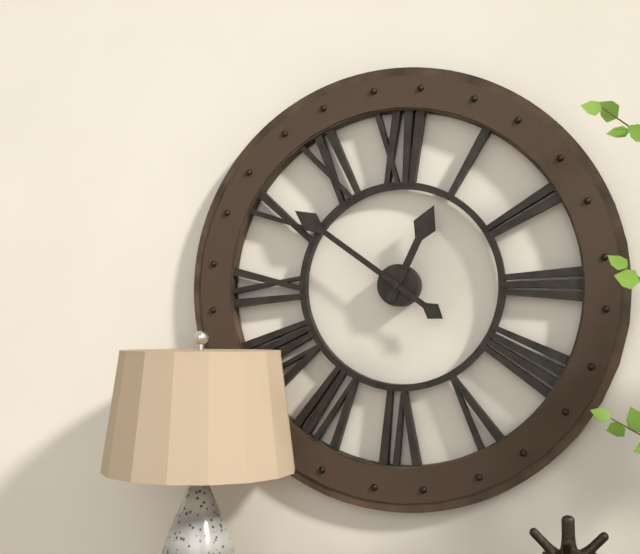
12:51
